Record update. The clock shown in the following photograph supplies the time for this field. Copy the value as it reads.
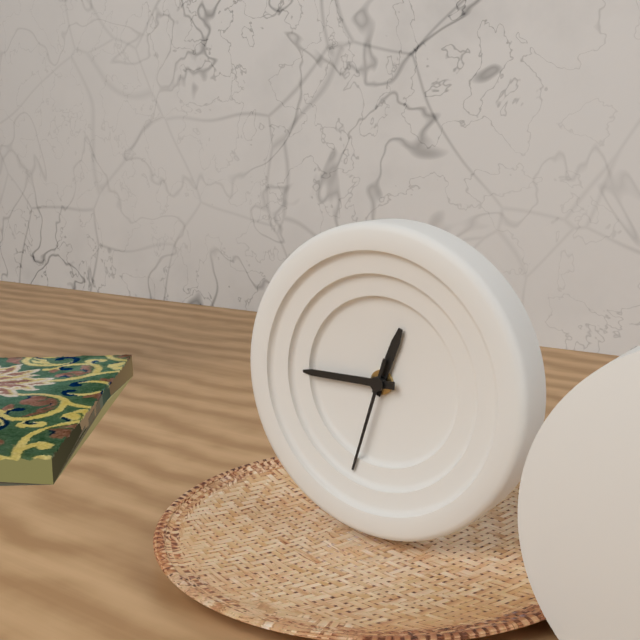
12:45:33
